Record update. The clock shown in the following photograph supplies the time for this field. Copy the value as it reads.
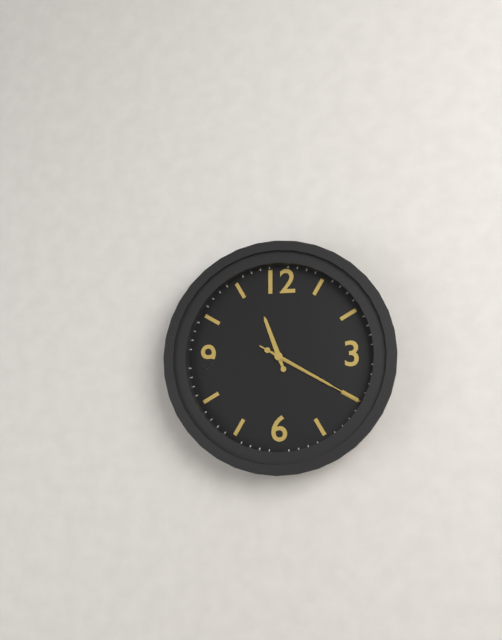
11:20:20
